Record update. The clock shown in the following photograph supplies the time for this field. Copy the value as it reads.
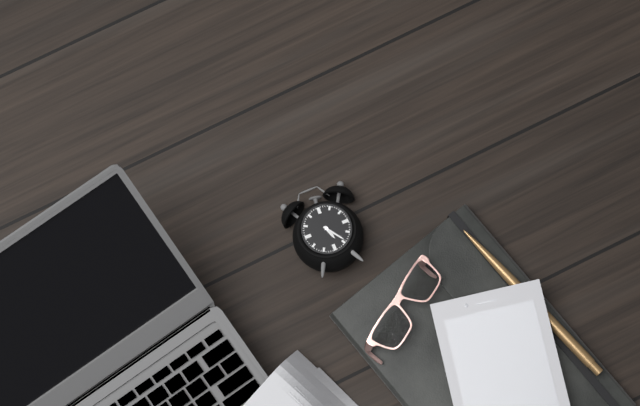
5:24
